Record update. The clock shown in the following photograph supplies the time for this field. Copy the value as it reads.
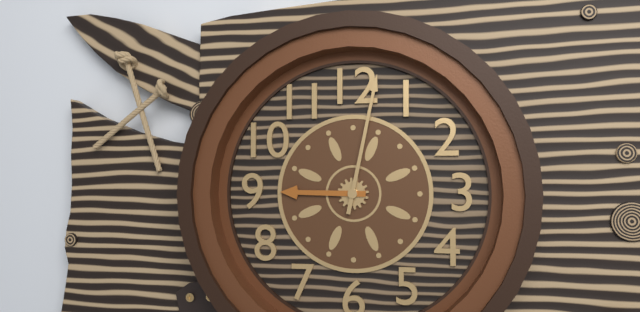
9:02
